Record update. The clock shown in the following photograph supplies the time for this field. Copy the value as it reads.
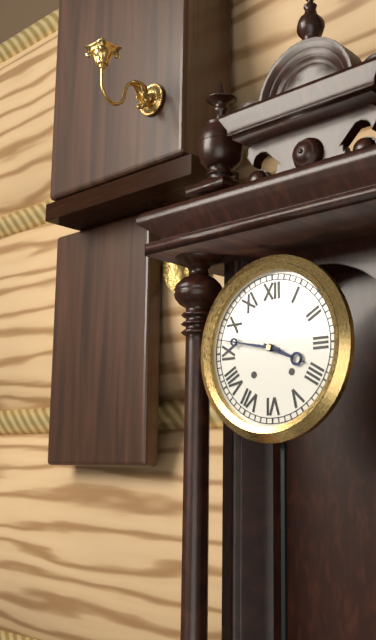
3:47
